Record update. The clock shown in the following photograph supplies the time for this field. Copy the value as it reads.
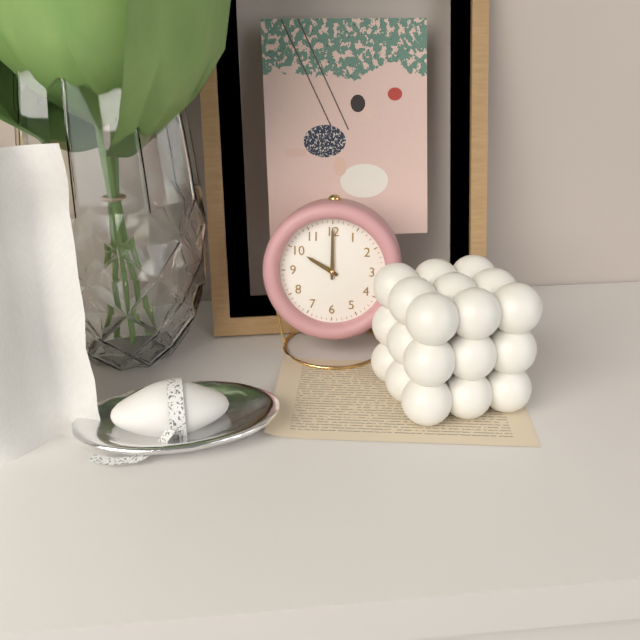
10:00
